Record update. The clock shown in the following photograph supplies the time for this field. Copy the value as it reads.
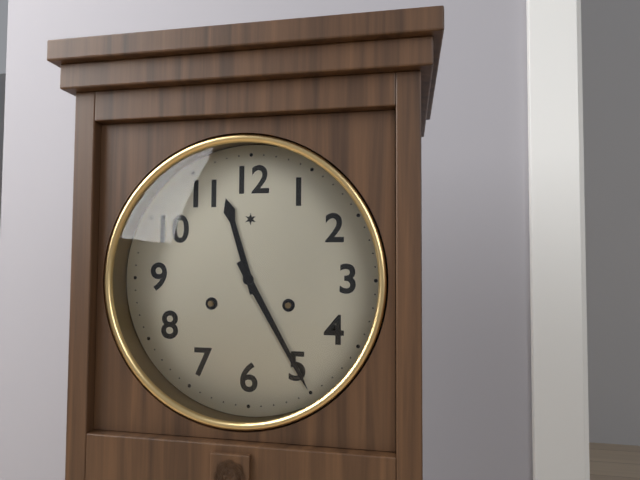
11:25
